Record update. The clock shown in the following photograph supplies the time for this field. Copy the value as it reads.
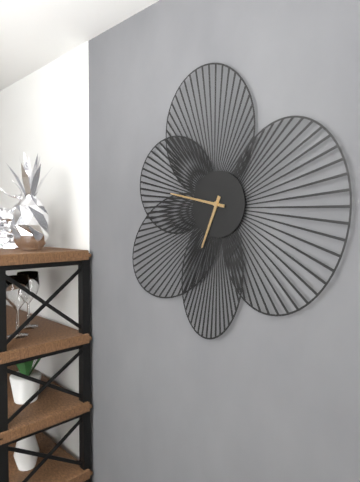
6:47
